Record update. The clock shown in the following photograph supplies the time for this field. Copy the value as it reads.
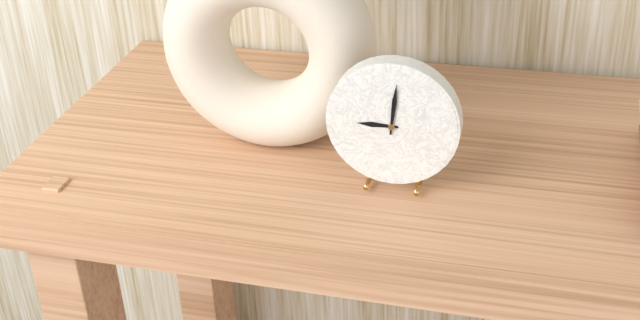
9:01
